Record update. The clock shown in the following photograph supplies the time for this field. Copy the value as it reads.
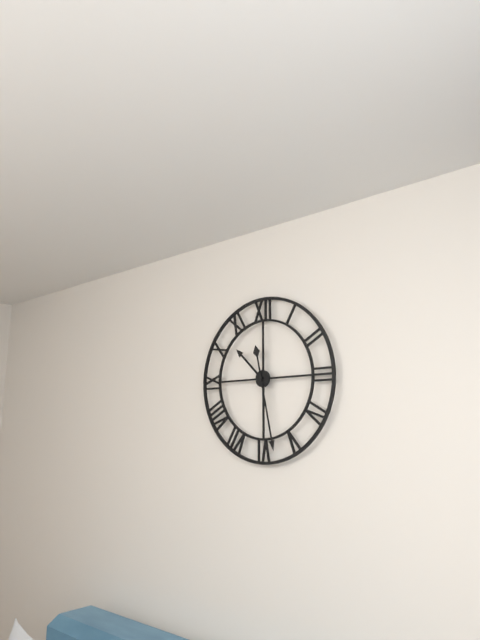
10:28
